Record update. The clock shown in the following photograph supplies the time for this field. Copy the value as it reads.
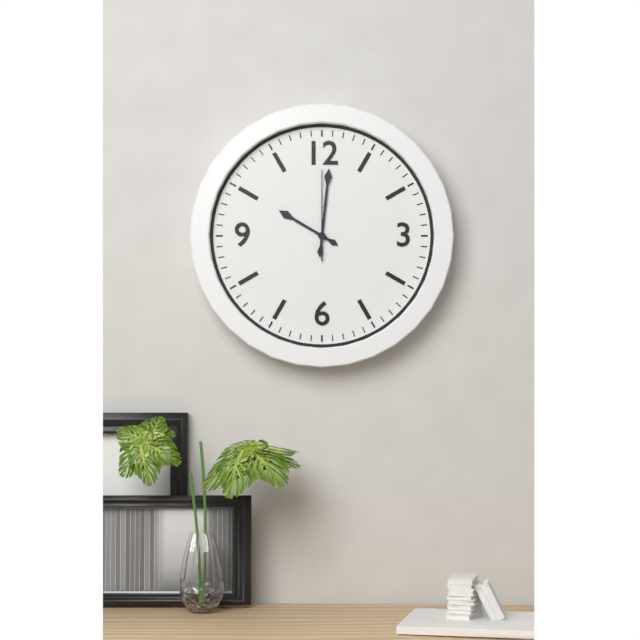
10:01:00
